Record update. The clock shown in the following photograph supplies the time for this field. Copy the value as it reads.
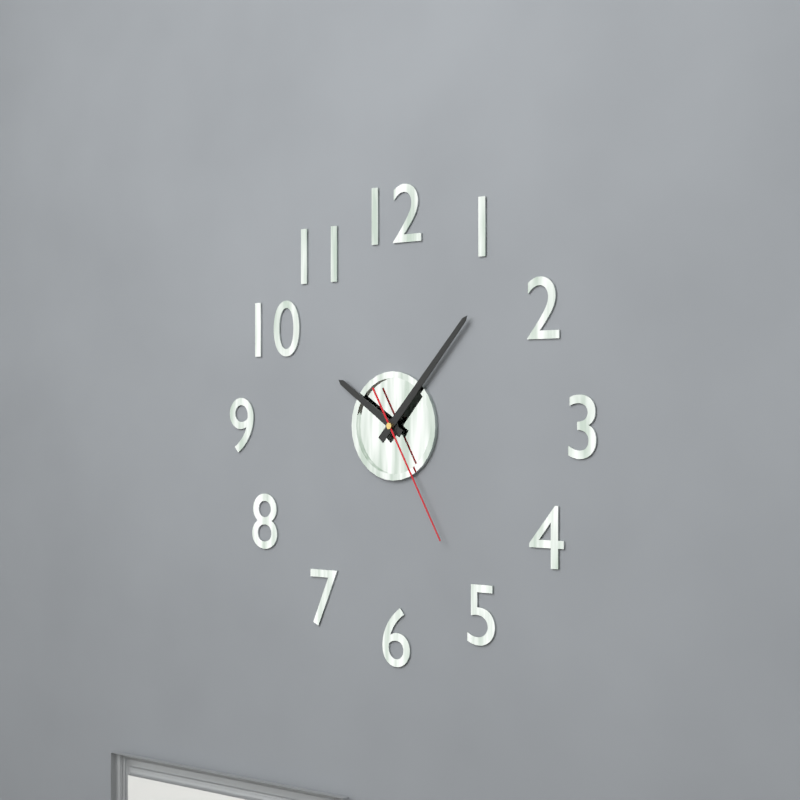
10:07:25
